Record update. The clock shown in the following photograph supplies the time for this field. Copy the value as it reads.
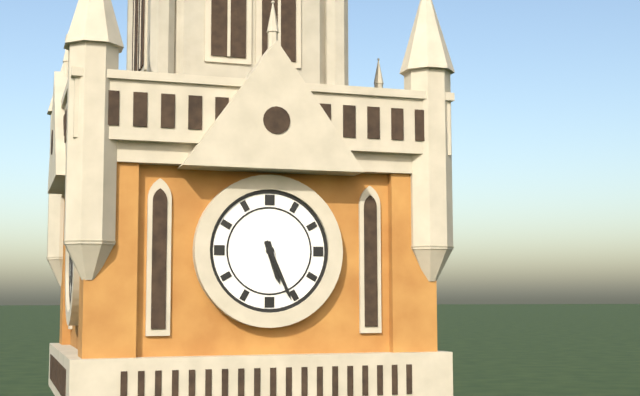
5:26
